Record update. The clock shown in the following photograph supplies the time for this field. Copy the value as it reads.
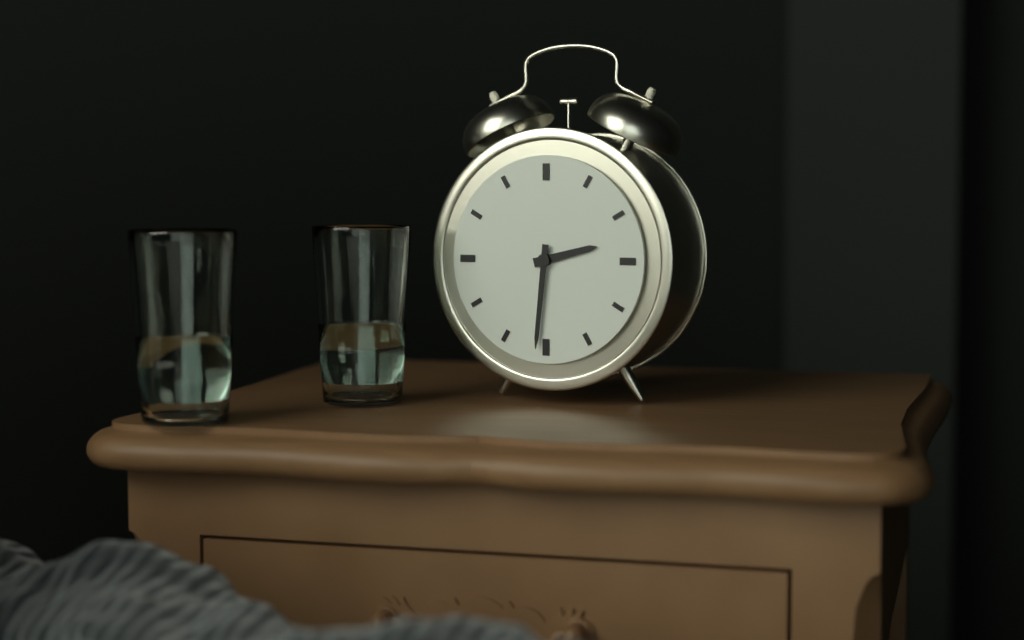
2:31
